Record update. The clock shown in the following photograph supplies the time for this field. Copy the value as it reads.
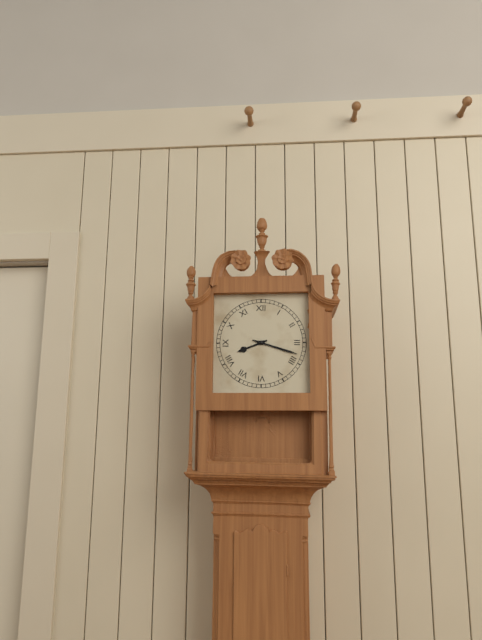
8:18
